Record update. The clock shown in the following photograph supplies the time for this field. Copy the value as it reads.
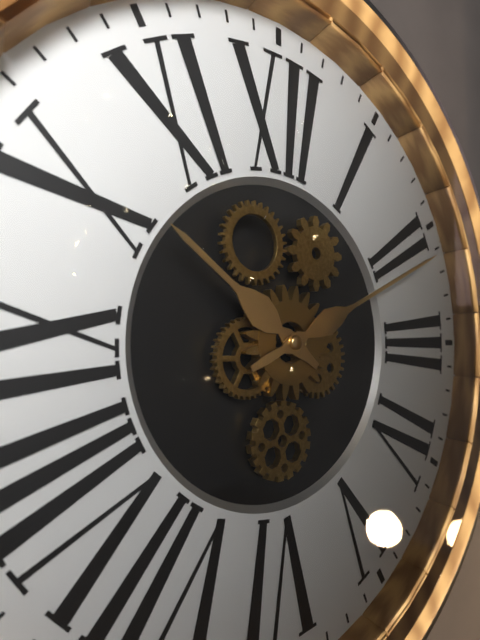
10:11
